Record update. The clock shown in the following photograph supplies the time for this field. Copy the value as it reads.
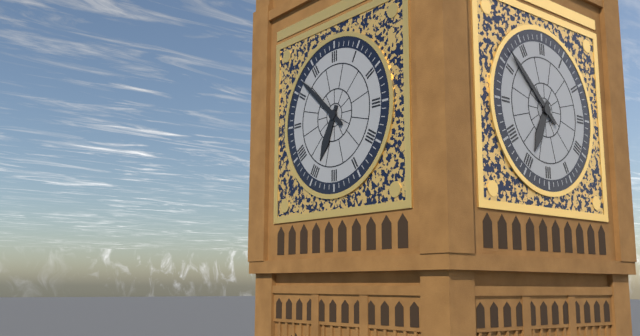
6:52
